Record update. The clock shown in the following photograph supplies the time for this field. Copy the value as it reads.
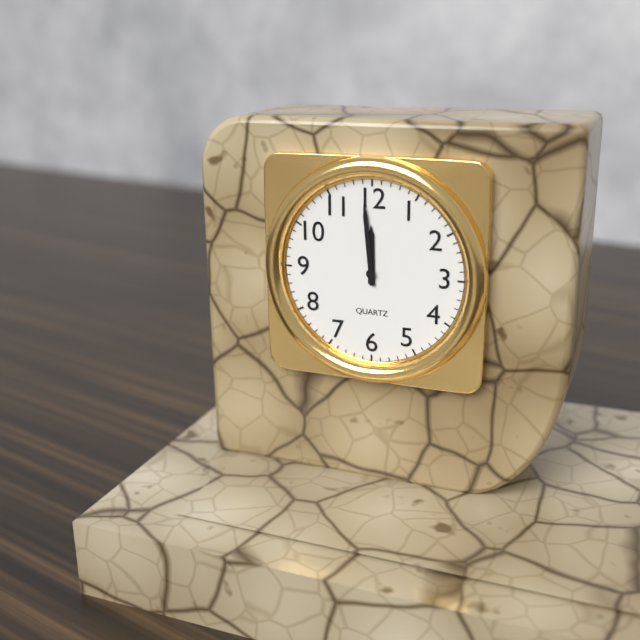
11:59
